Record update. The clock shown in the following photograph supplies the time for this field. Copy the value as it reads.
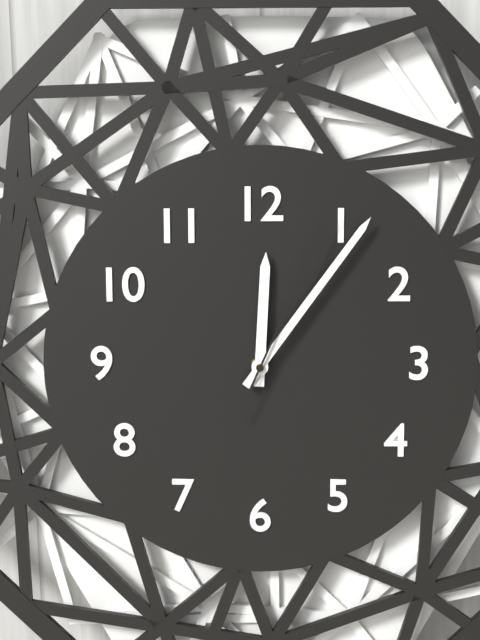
12:06:04
